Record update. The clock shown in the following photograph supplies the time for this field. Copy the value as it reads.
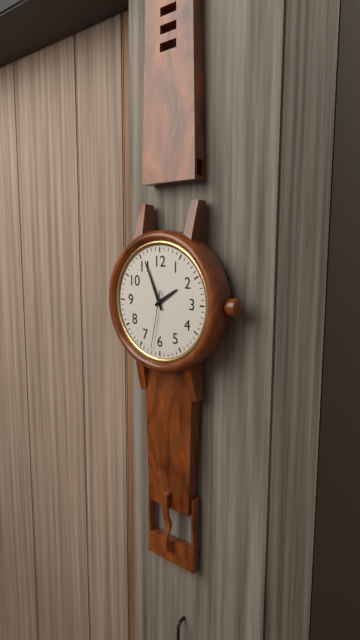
1:56:32
